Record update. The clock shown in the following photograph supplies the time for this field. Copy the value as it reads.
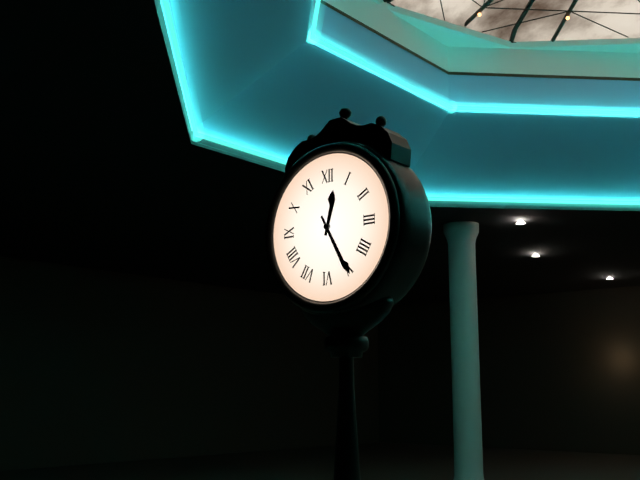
12:25
